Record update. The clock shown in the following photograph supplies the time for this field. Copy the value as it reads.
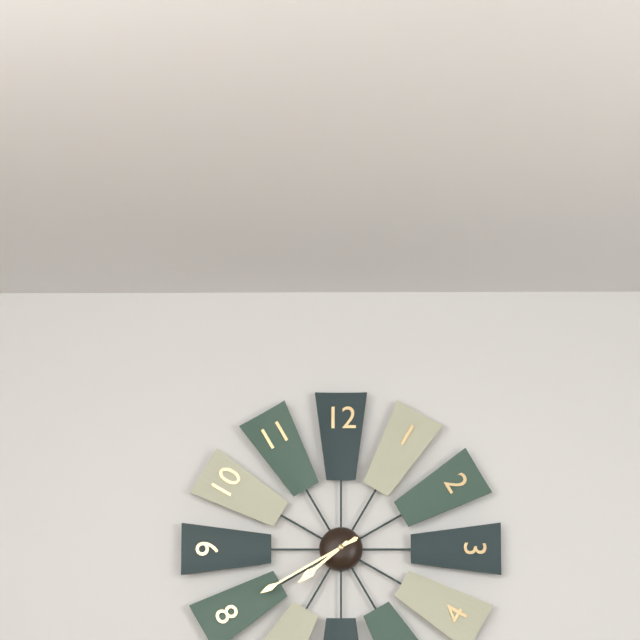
7:40
